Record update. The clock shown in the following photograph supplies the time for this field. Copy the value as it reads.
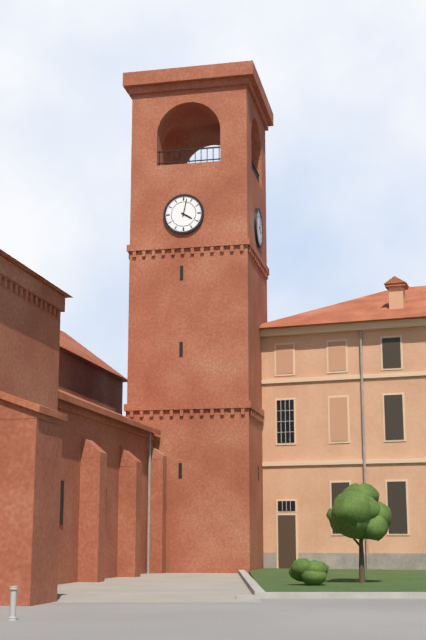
4:02
